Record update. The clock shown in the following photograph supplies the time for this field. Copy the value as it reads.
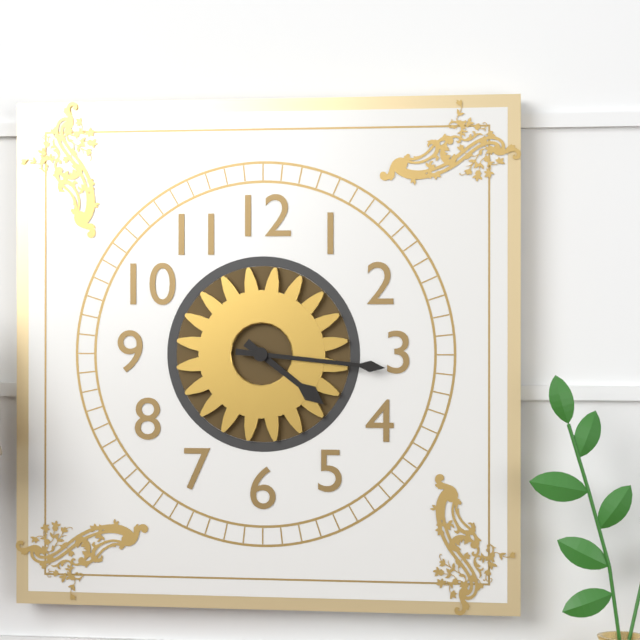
4:16
